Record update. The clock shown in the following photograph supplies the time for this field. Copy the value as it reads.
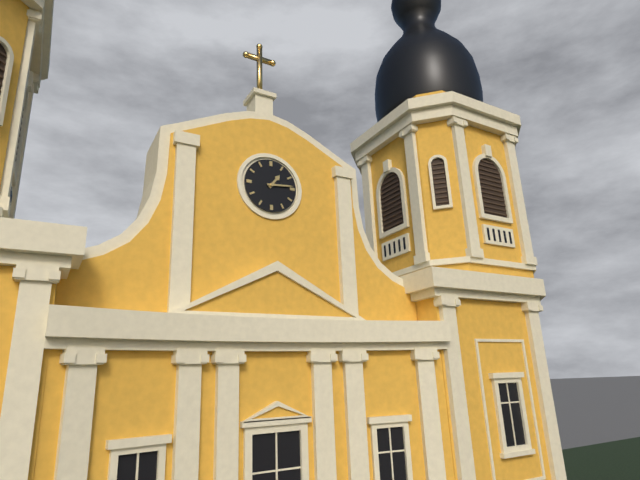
1:14
